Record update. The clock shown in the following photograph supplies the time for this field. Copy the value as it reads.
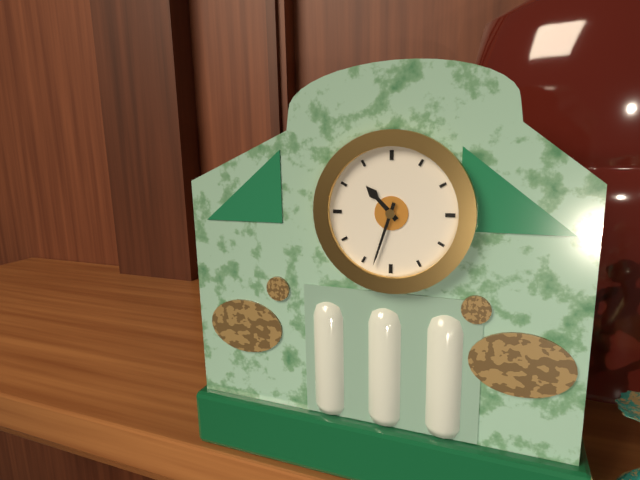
10:33
